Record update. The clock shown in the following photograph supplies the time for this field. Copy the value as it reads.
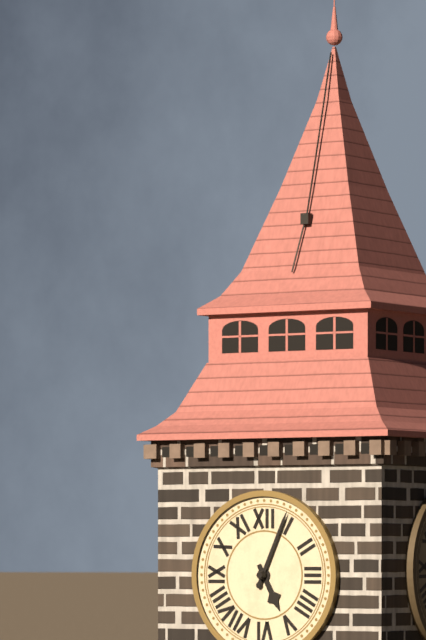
5:04
